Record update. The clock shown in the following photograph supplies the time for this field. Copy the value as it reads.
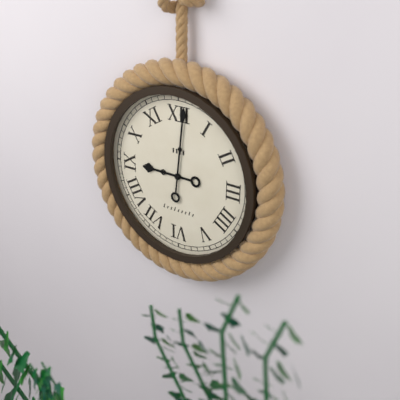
9:01
